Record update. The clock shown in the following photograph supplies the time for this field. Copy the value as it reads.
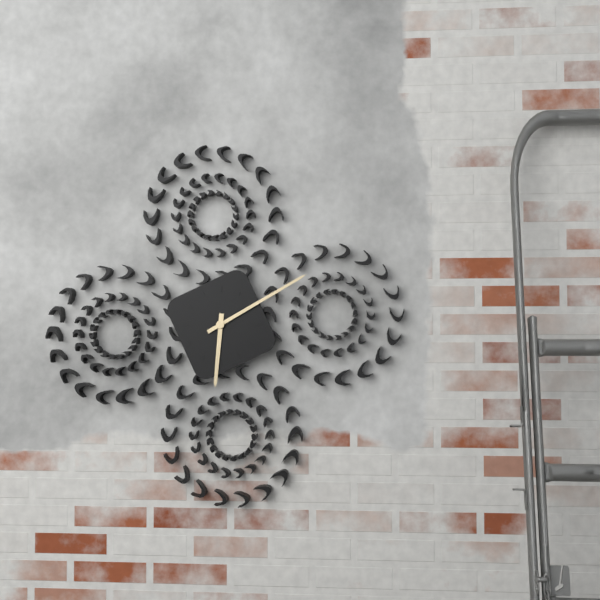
6:10
